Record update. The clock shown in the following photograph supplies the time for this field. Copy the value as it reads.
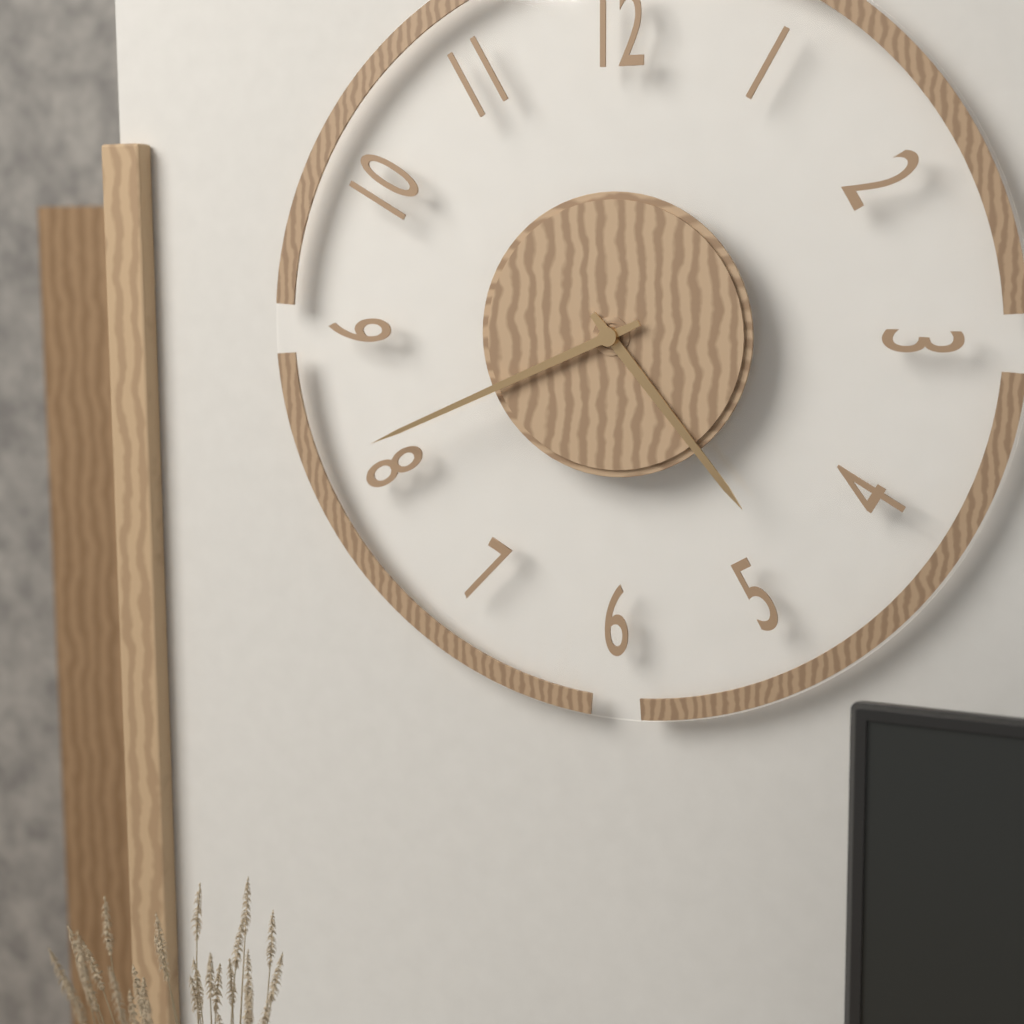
4:41
